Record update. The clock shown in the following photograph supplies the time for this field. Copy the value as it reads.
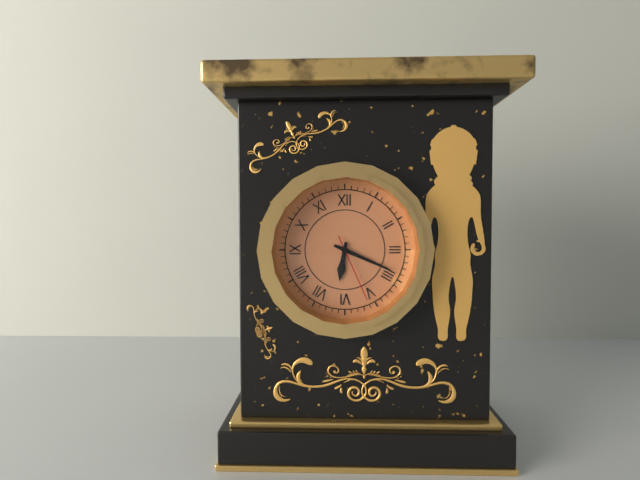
6:19:26
